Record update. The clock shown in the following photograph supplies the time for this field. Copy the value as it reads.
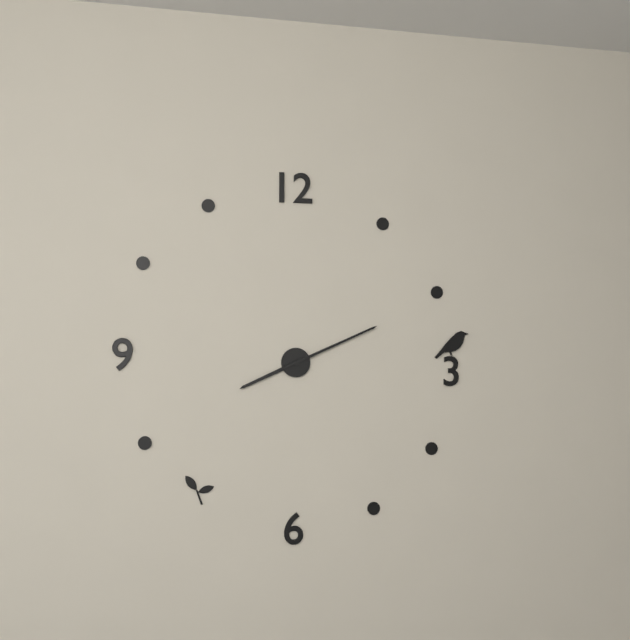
8:11
